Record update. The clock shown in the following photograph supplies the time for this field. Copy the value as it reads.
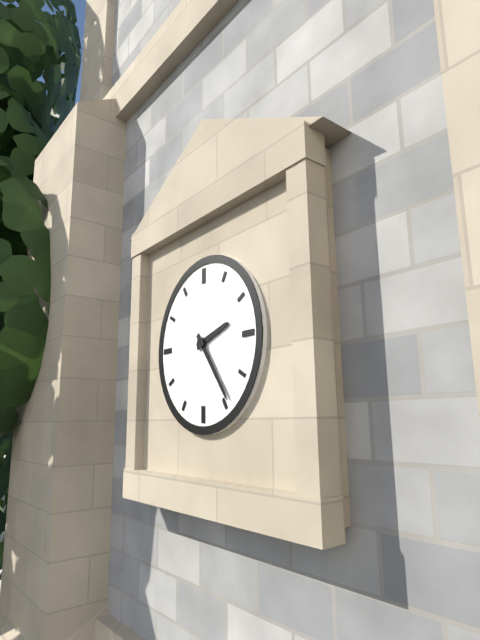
2:24
